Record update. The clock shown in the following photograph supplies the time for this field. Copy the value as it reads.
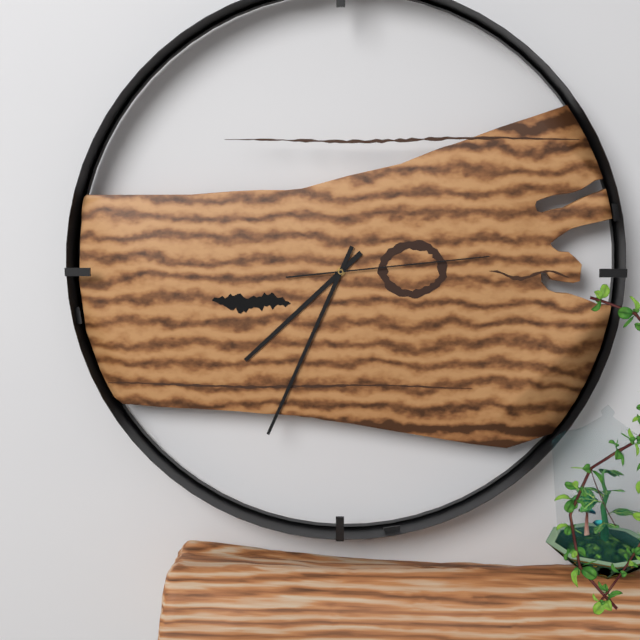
7:34:14
